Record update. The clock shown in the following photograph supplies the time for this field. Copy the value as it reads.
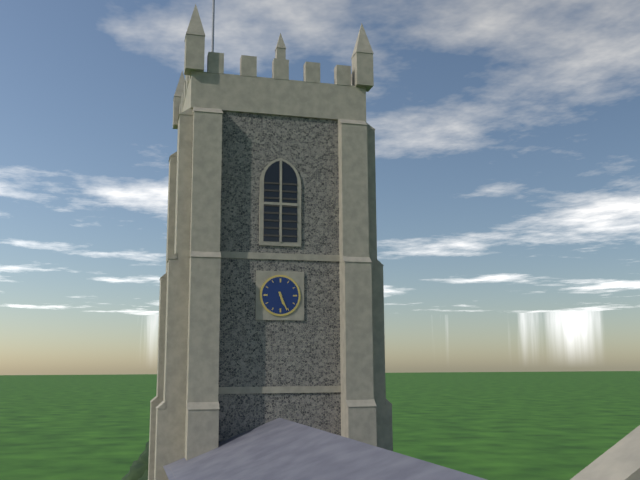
5:26
